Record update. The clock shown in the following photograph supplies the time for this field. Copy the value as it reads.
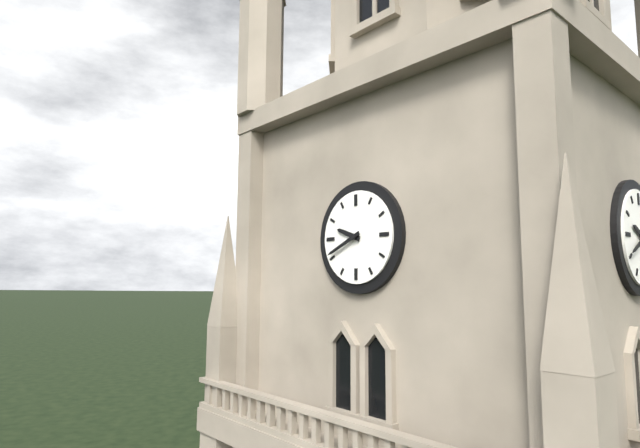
9:41
